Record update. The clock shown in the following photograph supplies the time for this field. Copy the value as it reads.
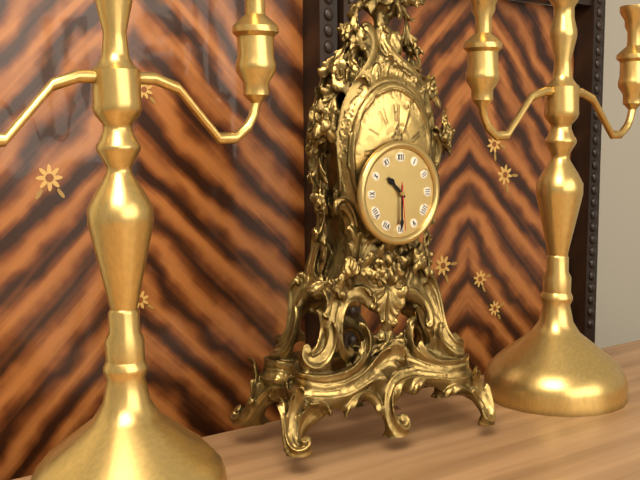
10:30
